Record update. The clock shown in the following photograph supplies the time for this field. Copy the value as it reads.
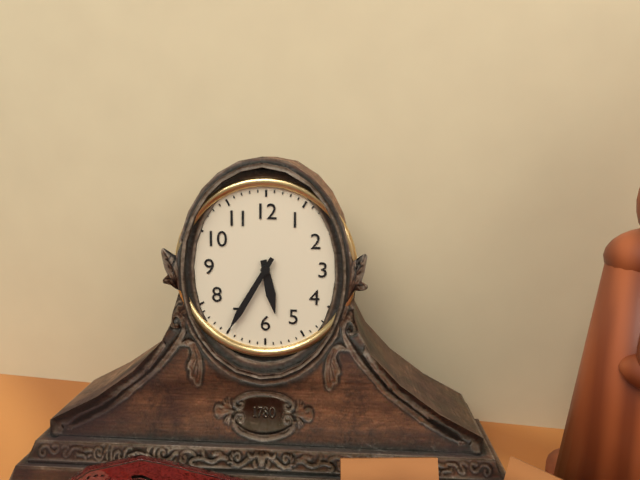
5:35
